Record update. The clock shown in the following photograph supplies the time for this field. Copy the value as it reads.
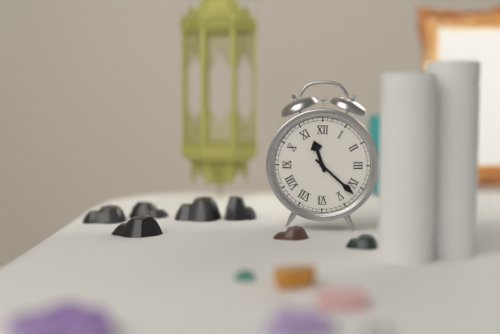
11:22
